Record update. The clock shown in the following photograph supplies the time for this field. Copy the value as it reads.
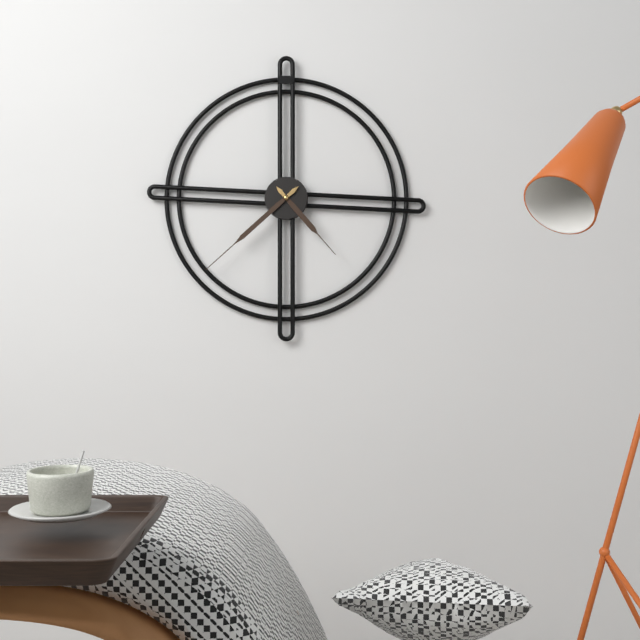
4:38
